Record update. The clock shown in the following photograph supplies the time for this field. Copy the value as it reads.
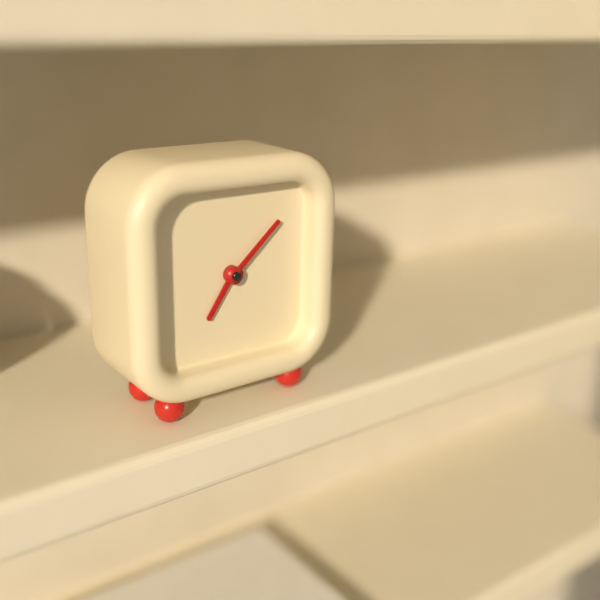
7:08
